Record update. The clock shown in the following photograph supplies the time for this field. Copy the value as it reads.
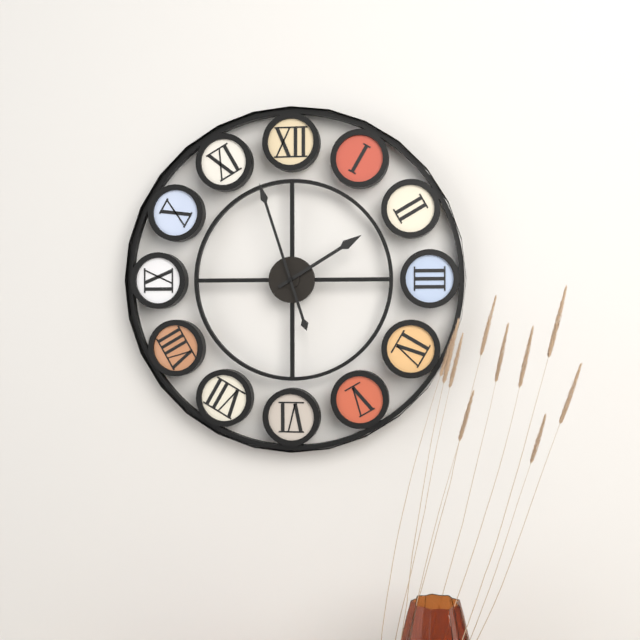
1:57
